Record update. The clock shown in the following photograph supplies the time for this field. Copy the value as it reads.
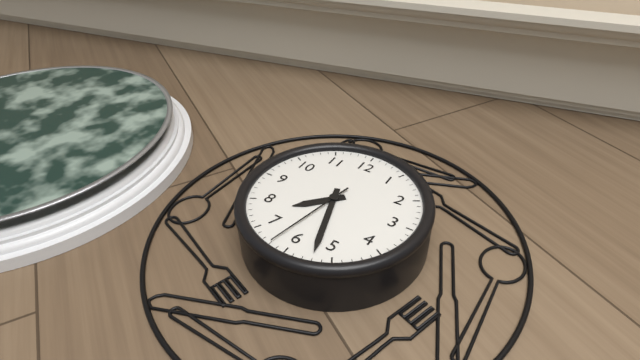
7:27:32
